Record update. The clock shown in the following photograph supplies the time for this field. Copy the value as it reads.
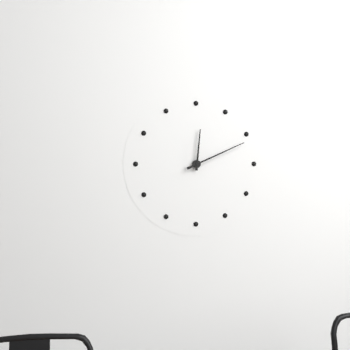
12:11
